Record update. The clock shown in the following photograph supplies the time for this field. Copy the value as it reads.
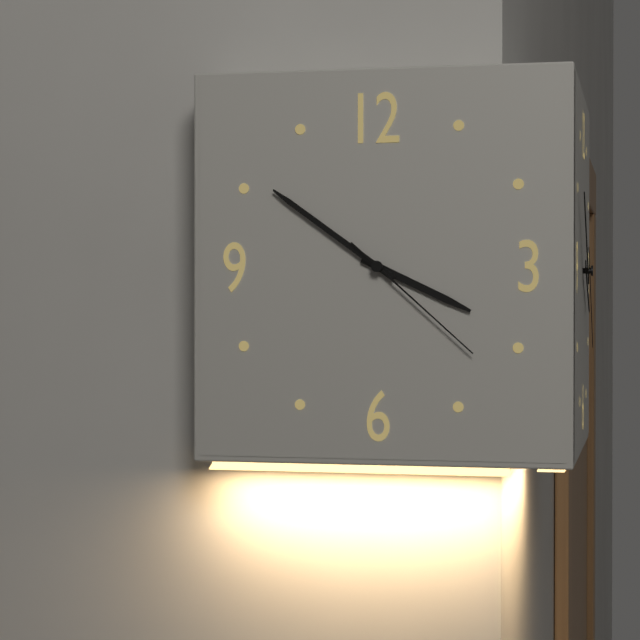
3:51:22
